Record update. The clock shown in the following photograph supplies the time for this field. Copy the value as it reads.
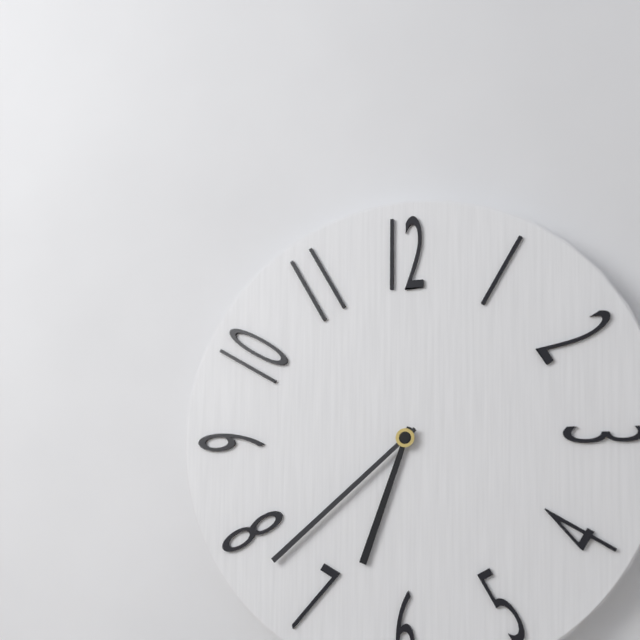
6:38
